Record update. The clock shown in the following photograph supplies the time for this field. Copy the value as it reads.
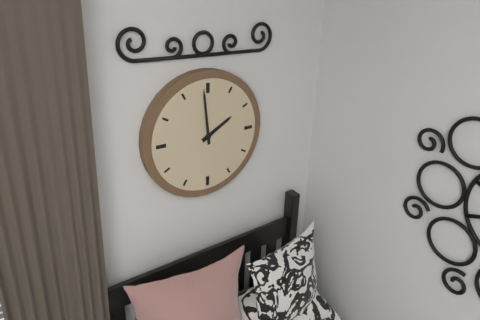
1:59
